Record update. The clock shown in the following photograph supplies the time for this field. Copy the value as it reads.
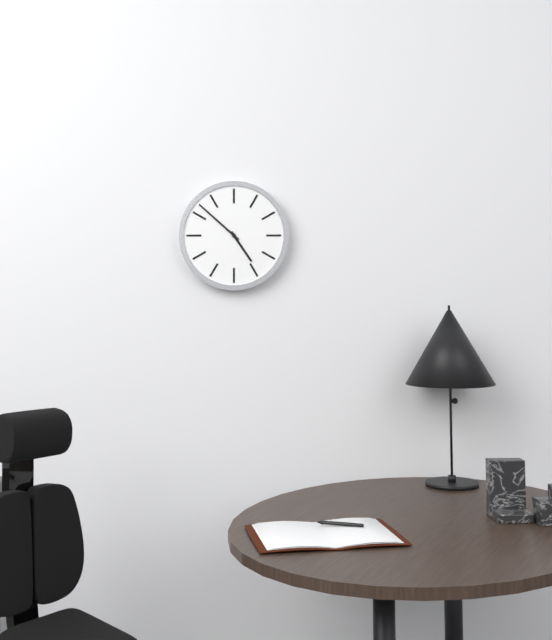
4:52
